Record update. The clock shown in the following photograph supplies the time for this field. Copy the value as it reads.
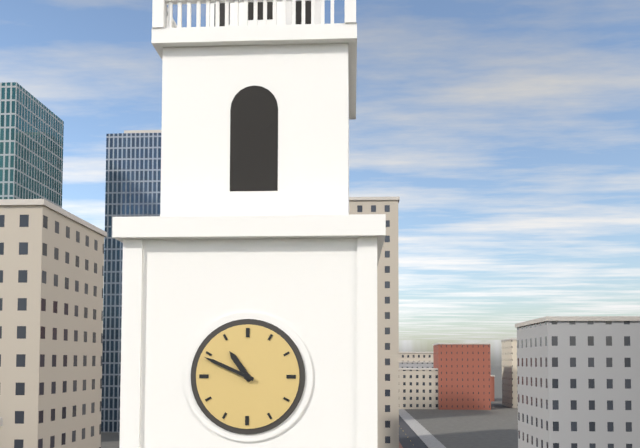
10:49
